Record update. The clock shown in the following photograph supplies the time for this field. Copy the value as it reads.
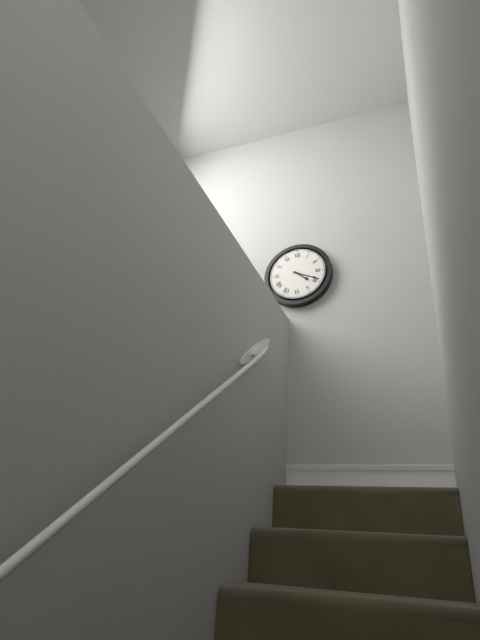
4:19
